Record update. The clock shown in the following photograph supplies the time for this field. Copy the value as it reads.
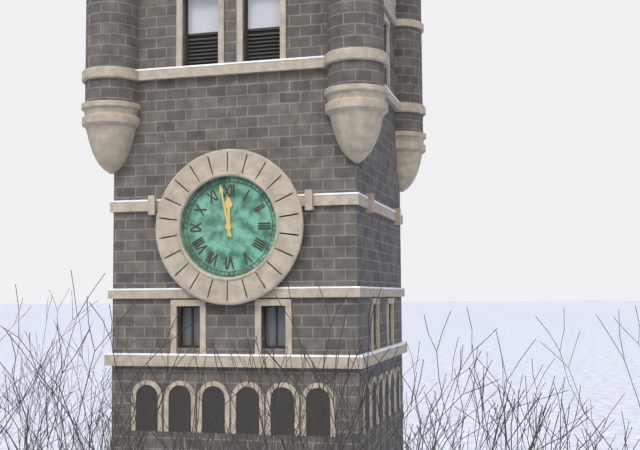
11:58
